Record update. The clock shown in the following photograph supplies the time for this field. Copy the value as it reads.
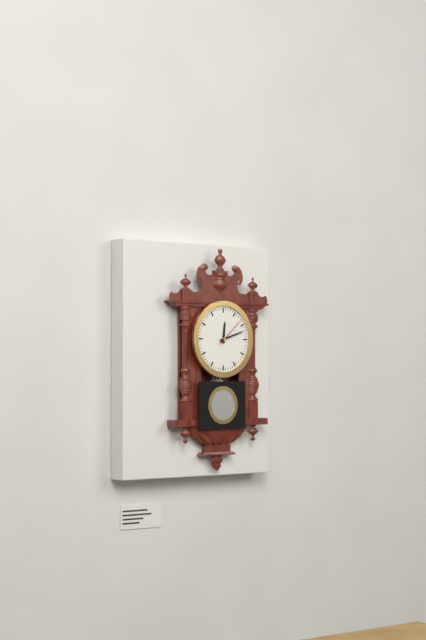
12:12
